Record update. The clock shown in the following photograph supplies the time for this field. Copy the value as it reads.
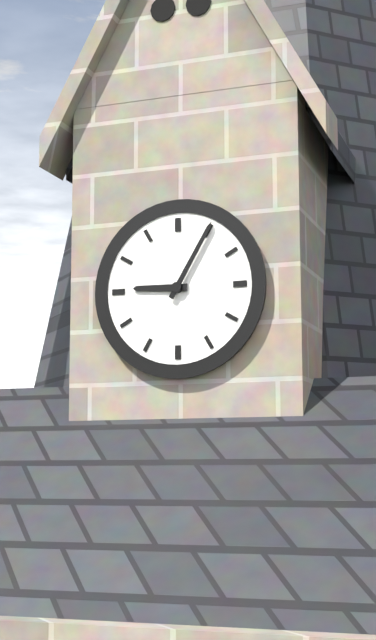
9:05
